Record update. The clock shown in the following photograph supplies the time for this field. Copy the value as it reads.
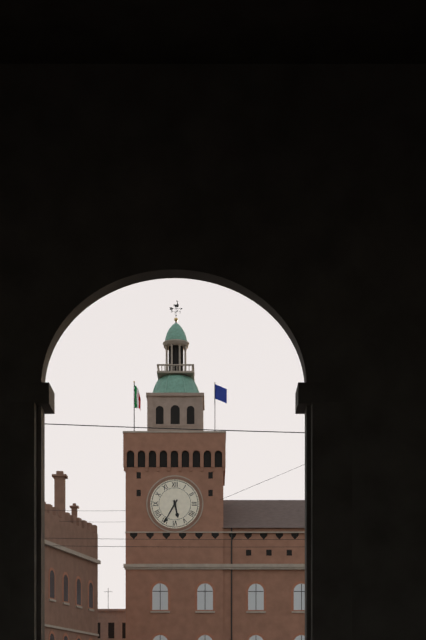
5:35
